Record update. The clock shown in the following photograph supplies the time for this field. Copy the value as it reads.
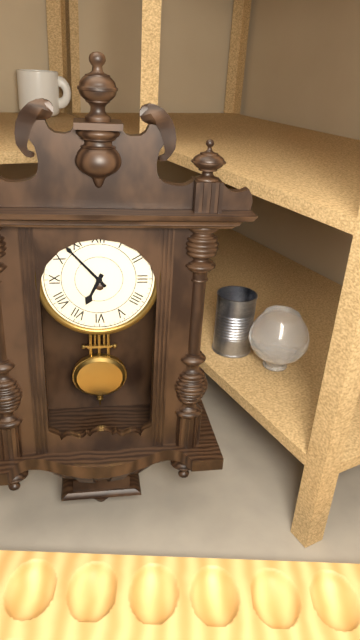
6:53
